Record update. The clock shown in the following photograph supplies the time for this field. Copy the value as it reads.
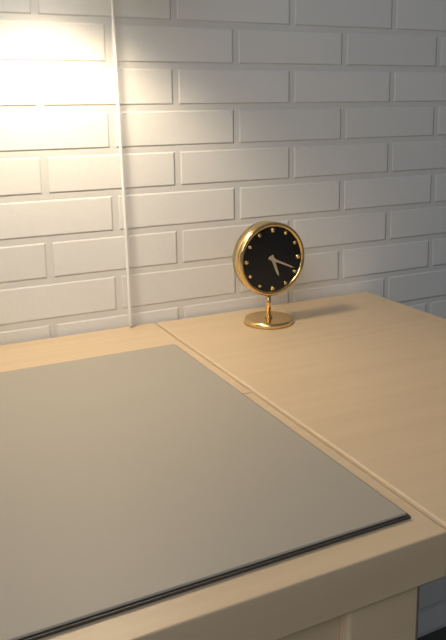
5:19
